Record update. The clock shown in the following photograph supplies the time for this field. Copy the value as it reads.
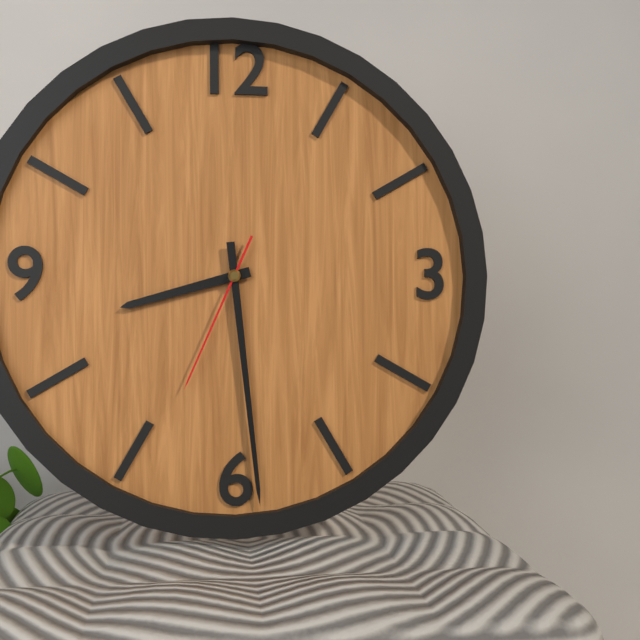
8:29:34
